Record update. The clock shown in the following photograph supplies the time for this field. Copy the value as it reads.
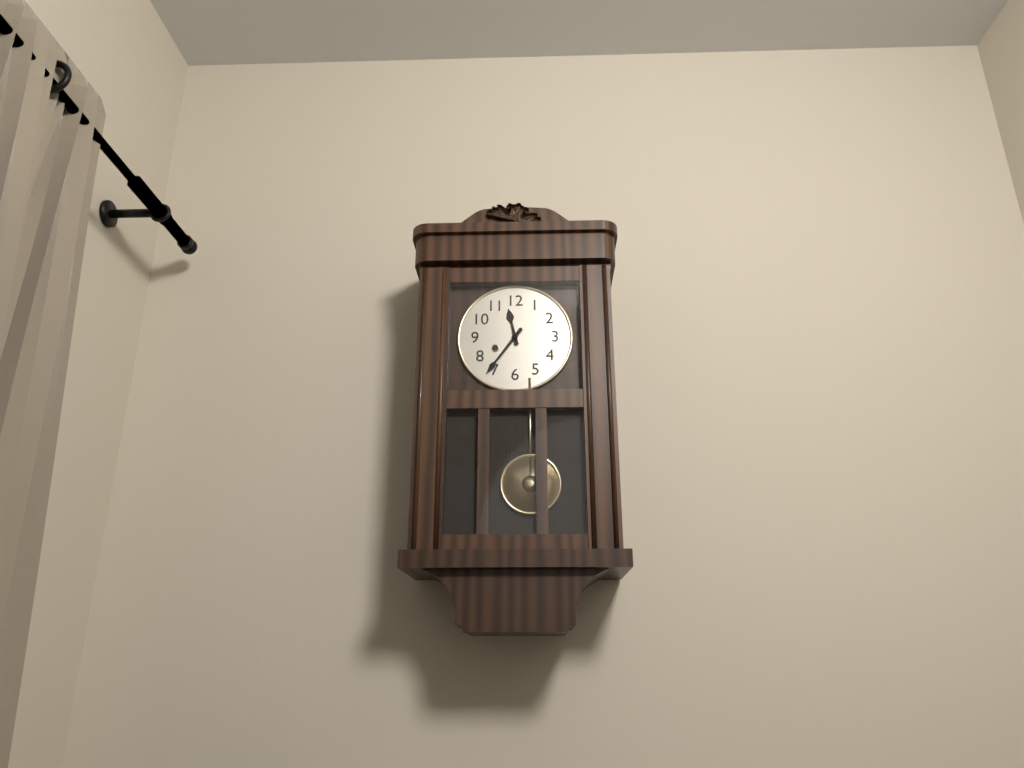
11:36
